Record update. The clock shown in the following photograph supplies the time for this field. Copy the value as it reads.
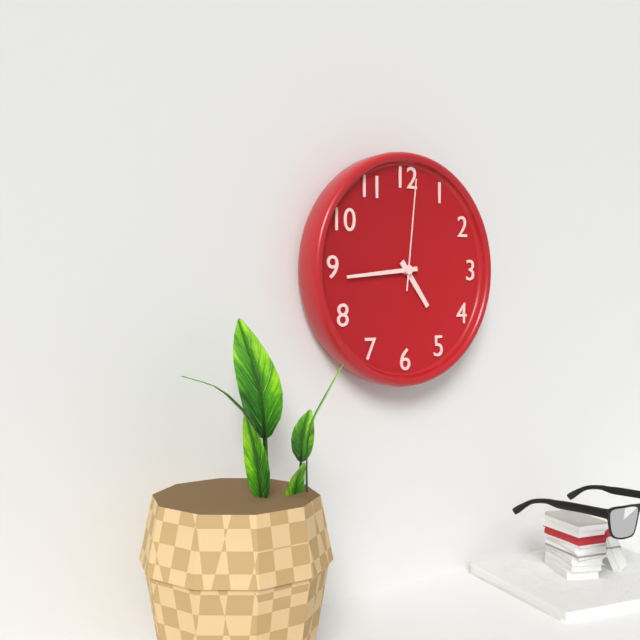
4:44:01
